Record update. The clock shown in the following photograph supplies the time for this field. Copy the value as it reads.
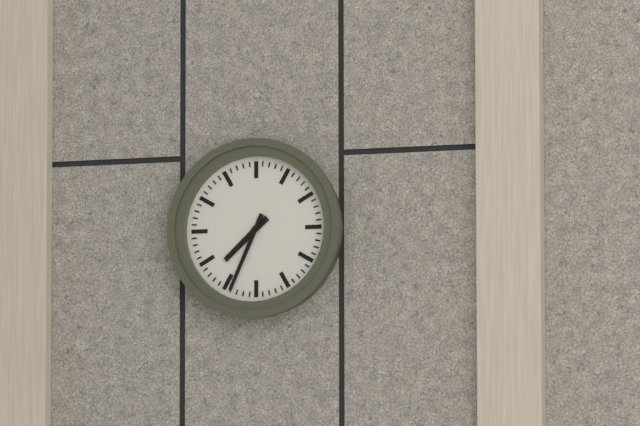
7:34
